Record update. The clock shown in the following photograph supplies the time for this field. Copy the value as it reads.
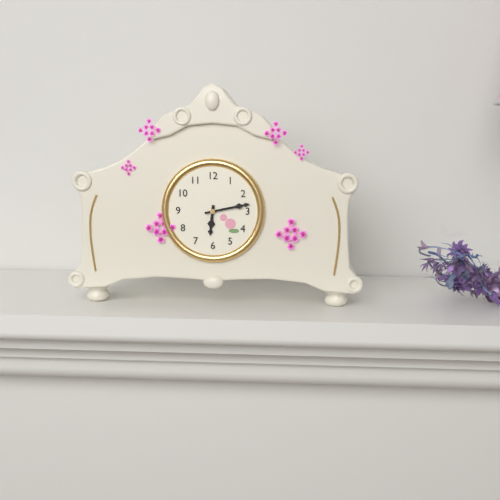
6:13
